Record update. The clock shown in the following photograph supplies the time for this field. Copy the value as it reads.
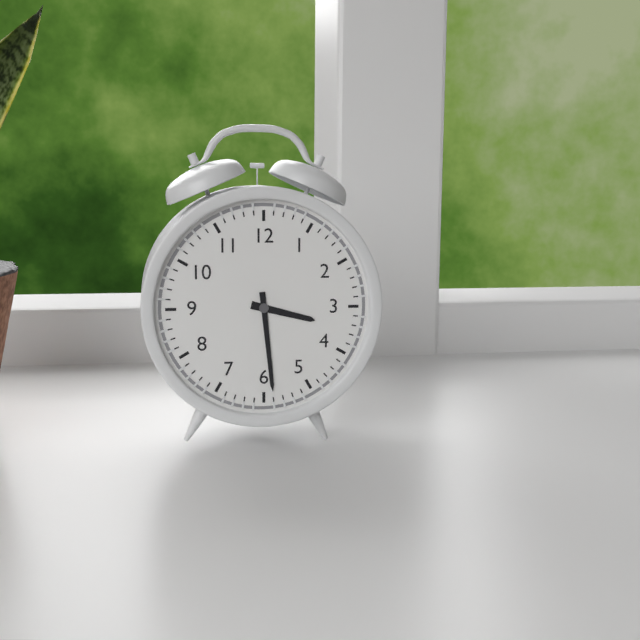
3:29
